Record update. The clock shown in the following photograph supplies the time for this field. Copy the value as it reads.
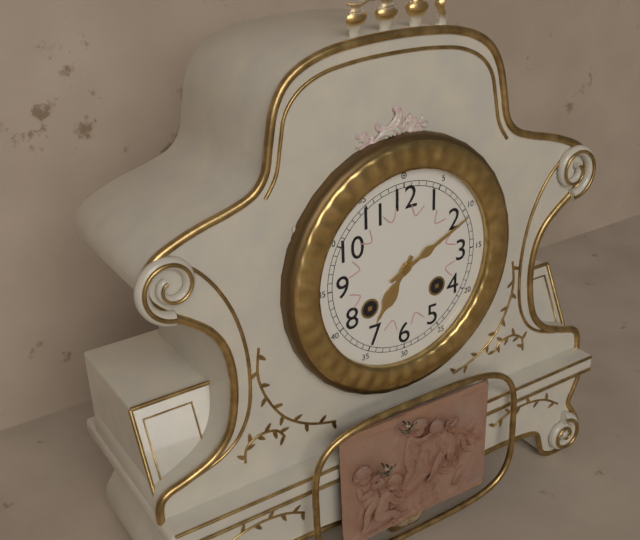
7:11
